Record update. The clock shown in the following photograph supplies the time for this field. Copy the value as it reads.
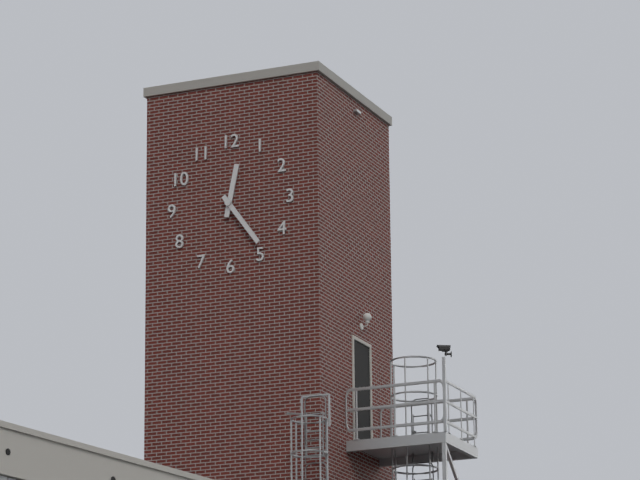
12:24
